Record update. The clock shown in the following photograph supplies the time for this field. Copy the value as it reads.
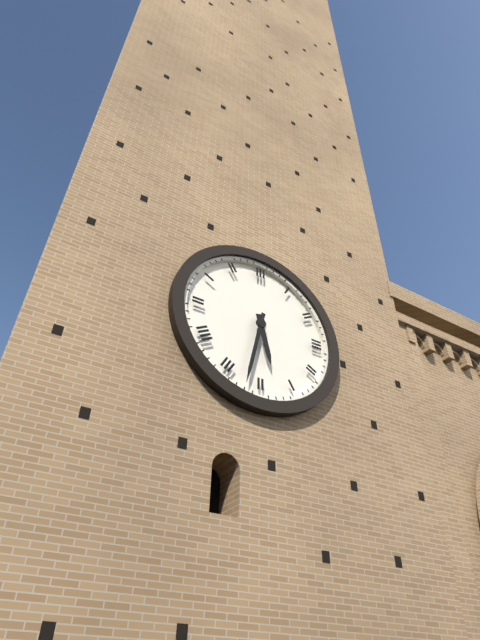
5:32
